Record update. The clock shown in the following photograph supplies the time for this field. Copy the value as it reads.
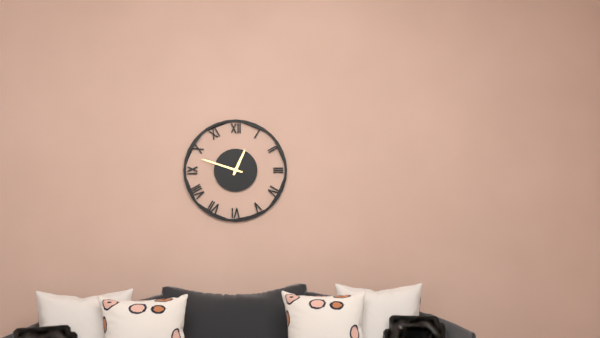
12:48
